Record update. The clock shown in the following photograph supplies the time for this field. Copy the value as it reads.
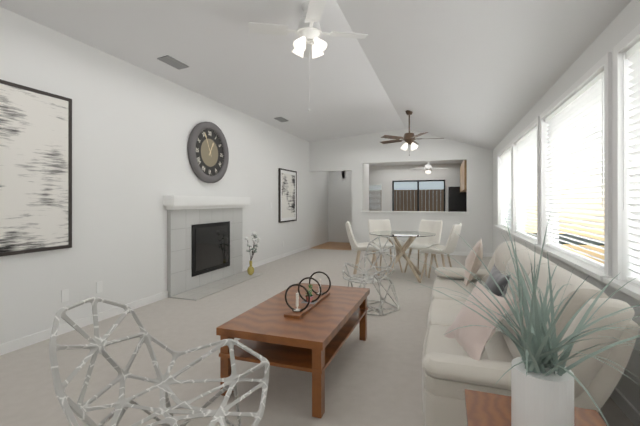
12:56
